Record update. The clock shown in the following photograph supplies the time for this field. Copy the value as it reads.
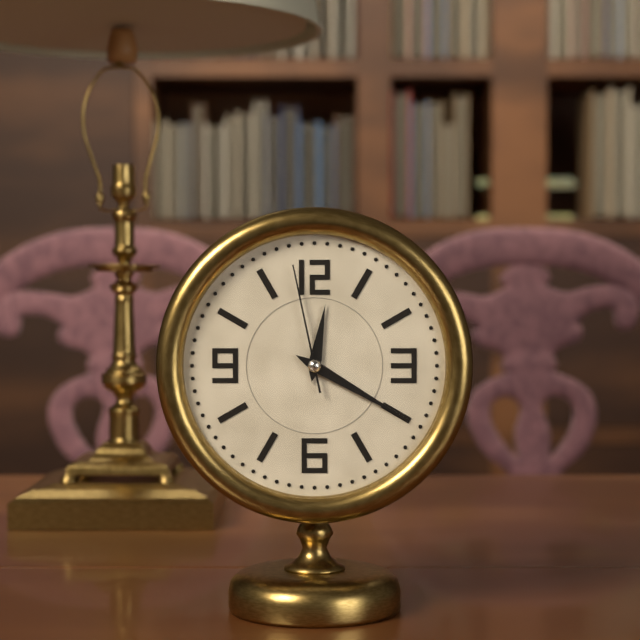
12:20:58
